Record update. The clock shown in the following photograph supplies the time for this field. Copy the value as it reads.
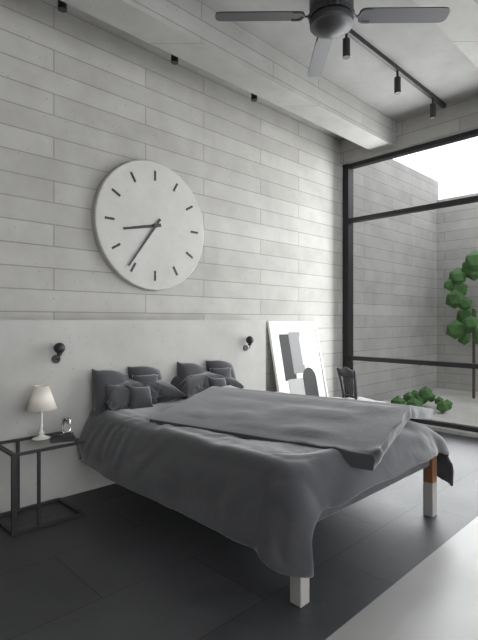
8:36
